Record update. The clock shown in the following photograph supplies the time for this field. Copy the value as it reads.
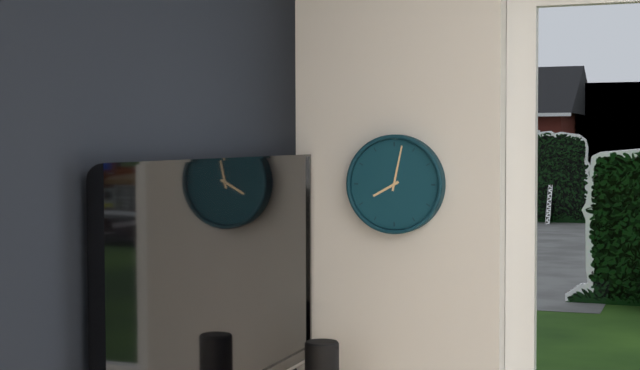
8:02
